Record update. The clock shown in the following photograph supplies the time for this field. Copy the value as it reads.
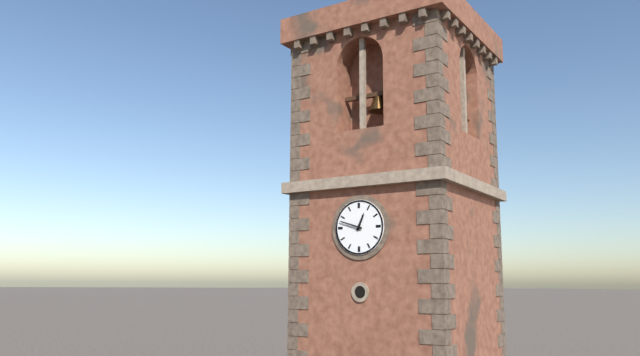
12:48
